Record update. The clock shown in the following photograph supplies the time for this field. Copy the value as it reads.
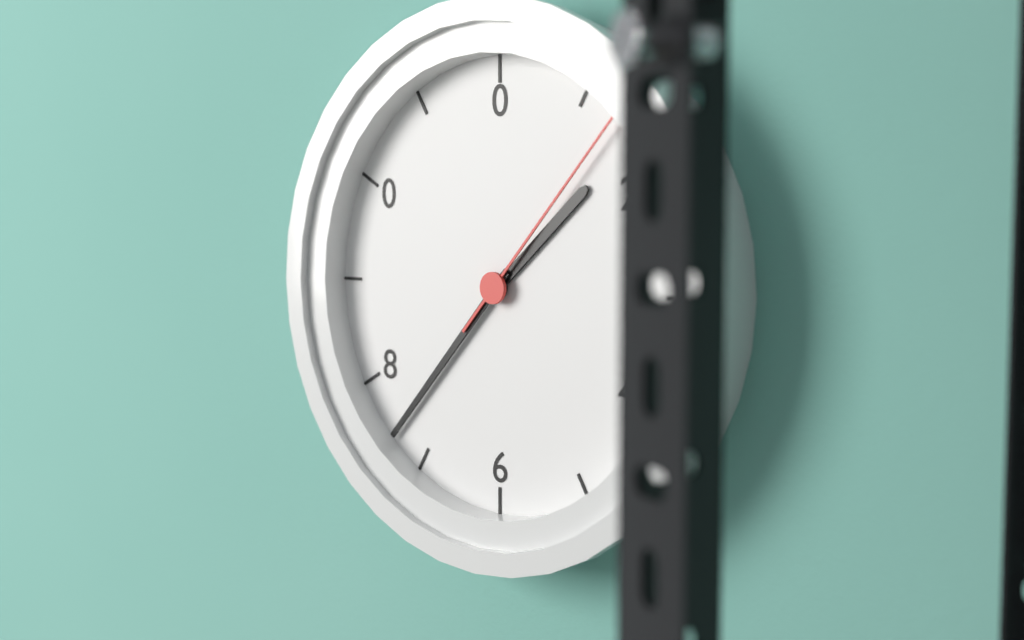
1:37:07
